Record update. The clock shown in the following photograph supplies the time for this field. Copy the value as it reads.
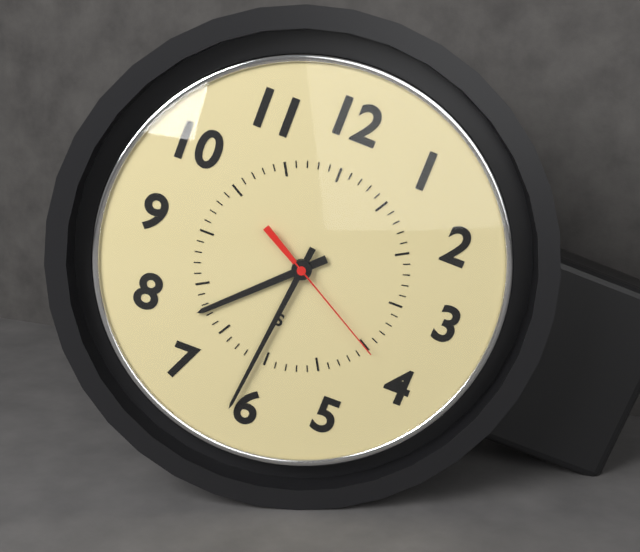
7:31:20
